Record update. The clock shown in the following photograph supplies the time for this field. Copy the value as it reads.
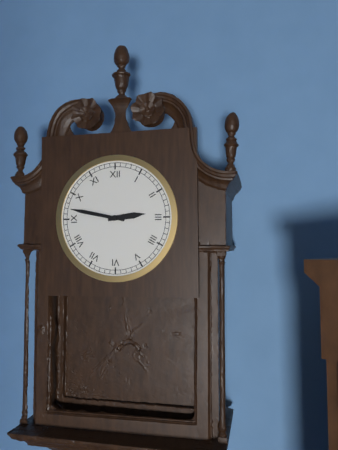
2:47
